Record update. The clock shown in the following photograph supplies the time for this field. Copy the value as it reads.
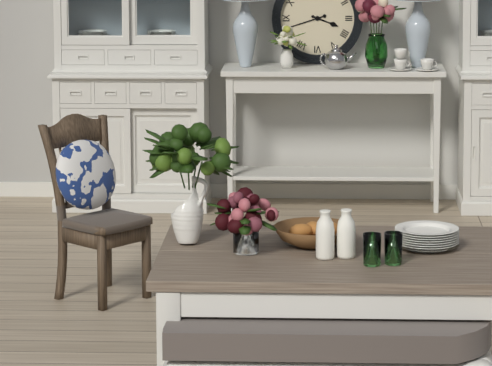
3:42
